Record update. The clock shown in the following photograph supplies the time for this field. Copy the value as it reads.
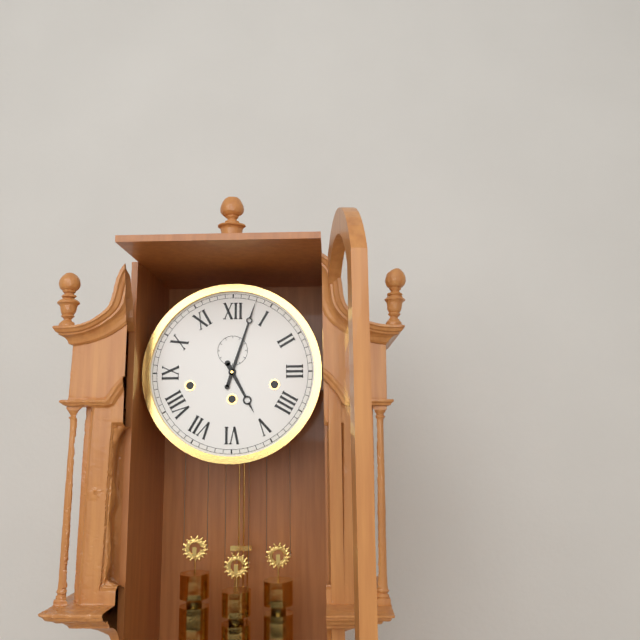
5:03
